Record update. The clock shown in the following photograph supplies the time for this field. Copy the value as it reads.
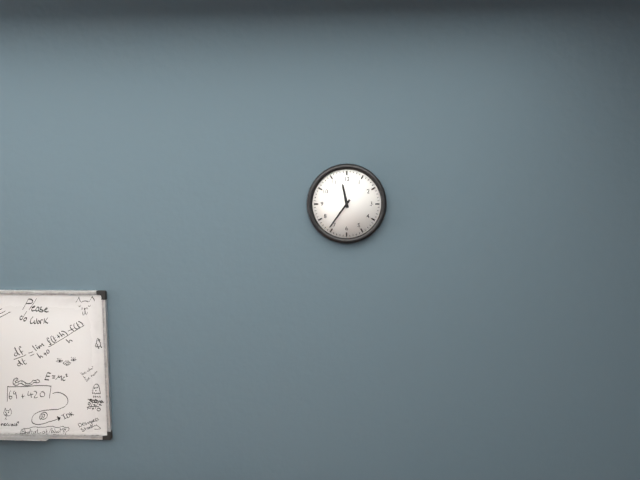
11:36
